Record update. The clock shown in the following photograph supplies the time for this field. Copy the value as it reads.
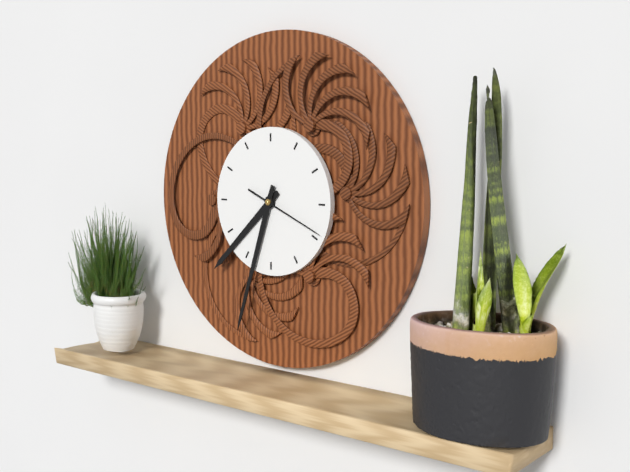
7:33:19
